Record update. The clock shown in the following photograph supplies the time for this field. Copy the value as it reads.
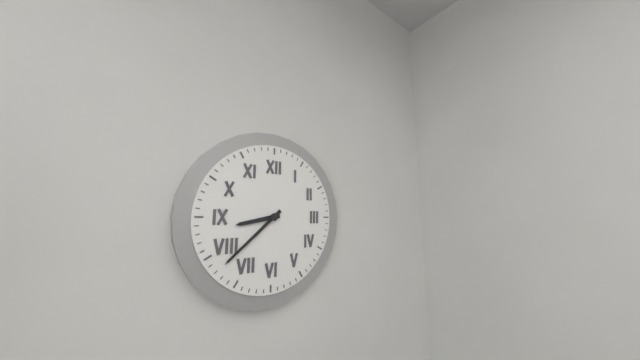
8:38
